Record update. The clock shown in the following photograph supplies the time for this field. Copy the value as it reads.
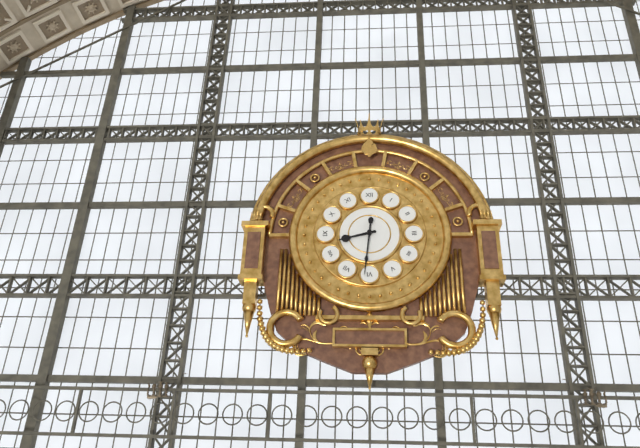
8:31
